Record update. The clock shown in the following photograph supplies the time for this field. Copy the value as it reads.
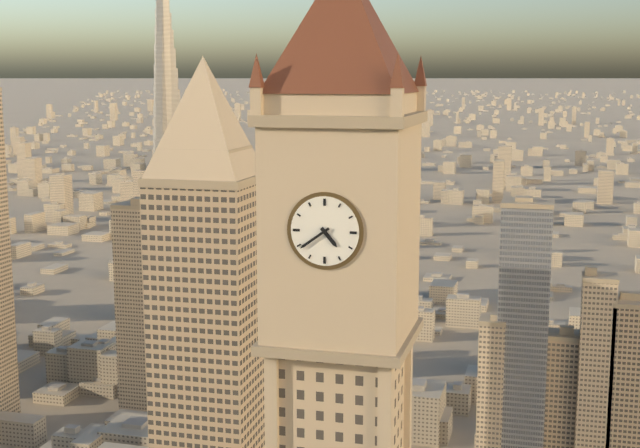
4:39
